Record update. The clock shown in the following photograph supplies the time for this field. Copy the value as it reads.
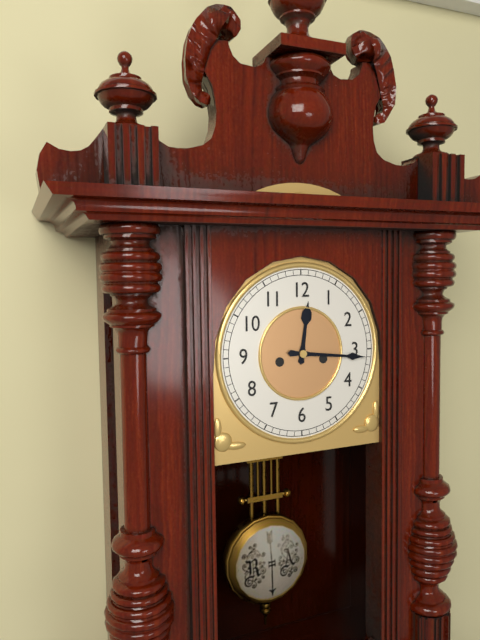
12:16
